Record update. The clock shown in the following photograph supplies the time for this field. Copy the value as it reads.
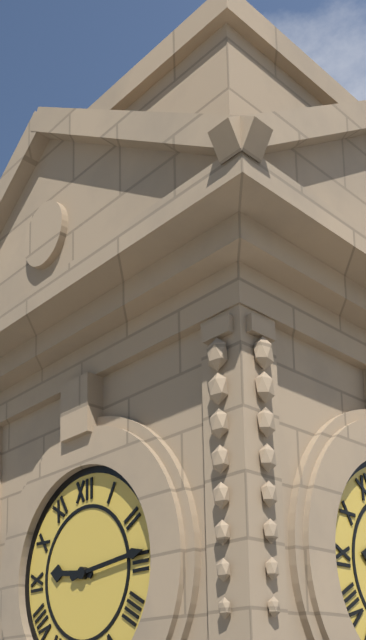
9:14
